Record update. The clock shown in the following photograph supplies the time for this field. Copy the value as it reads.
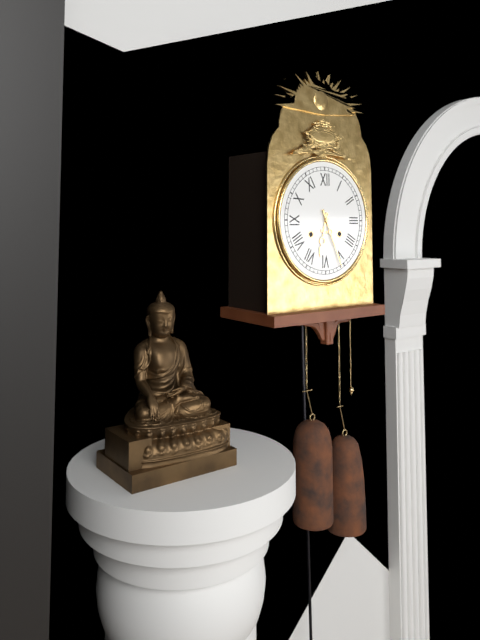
6:26
